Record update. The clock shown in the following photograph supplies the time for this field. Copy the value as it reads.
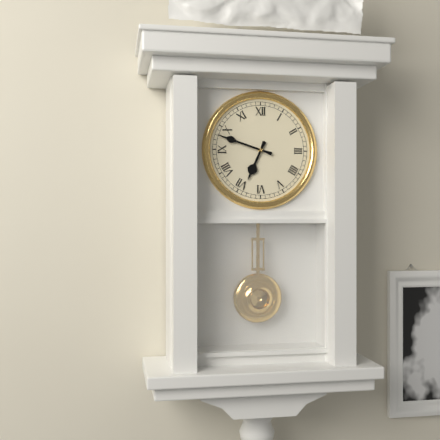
6:48
